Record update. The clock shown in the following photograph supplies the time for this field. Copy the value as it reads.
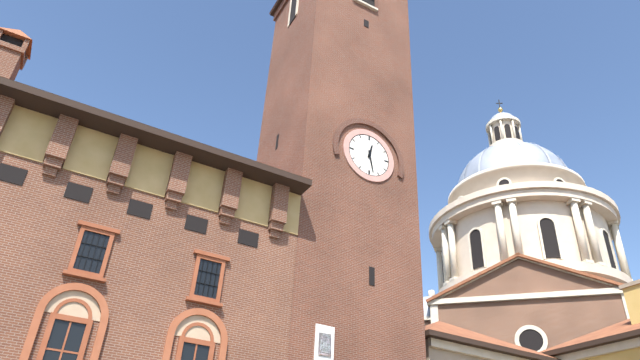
12:28
